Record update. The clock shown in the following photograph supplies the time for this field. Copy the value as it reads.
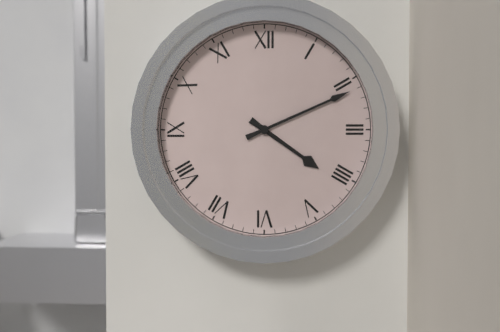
4:11
